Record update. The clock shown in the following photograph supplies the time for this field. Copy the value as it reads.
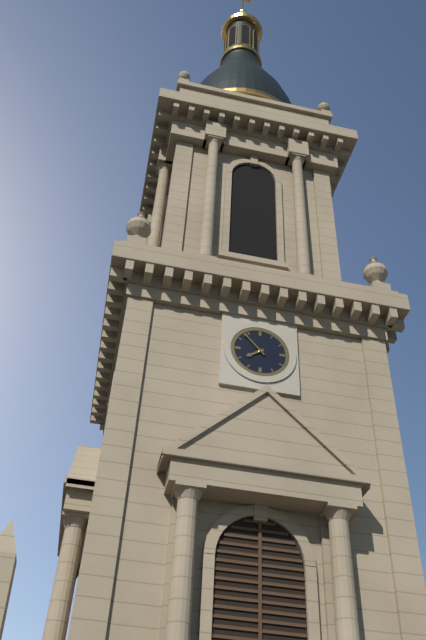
7:53
